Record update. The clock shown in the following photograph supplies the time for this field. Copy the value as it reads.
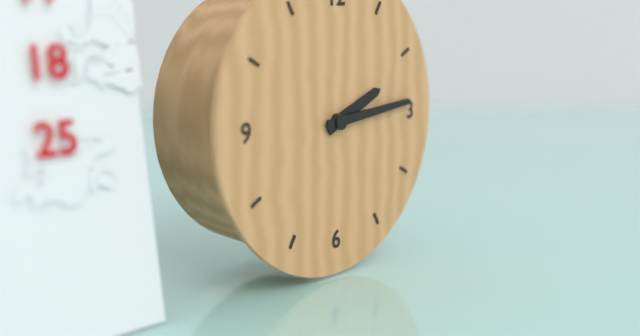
2:14
